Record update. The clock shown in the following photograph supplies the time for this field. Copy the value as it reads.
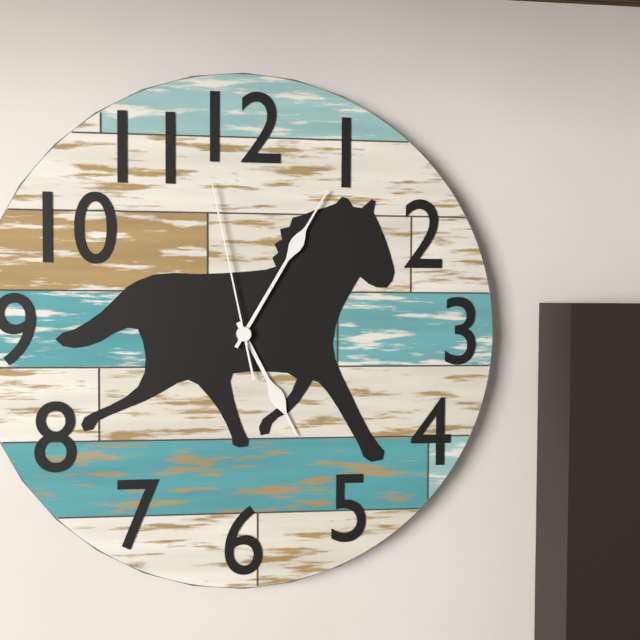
5:05:58
